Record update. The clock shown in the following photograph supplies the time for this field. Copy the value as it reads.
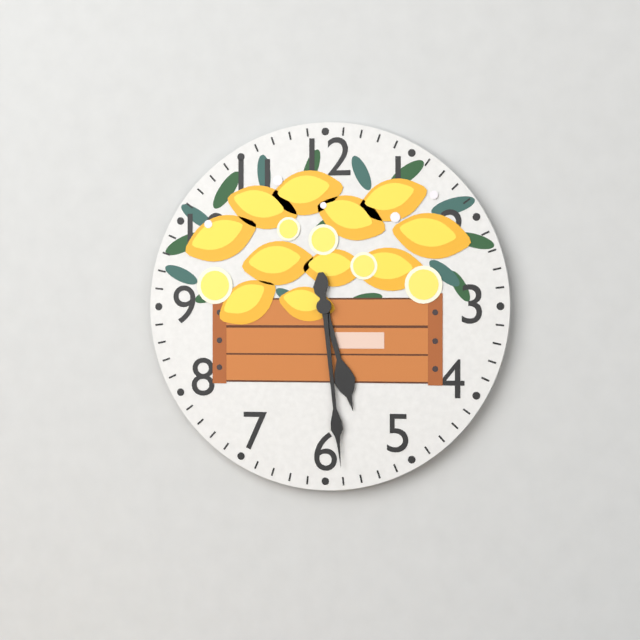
5:29
